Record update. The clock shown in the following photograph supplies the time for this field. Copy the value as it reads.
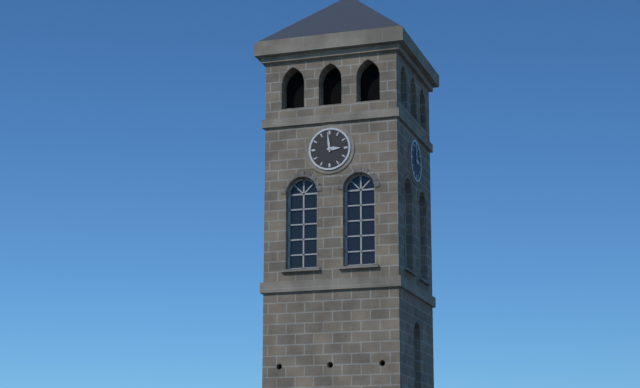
2:59
